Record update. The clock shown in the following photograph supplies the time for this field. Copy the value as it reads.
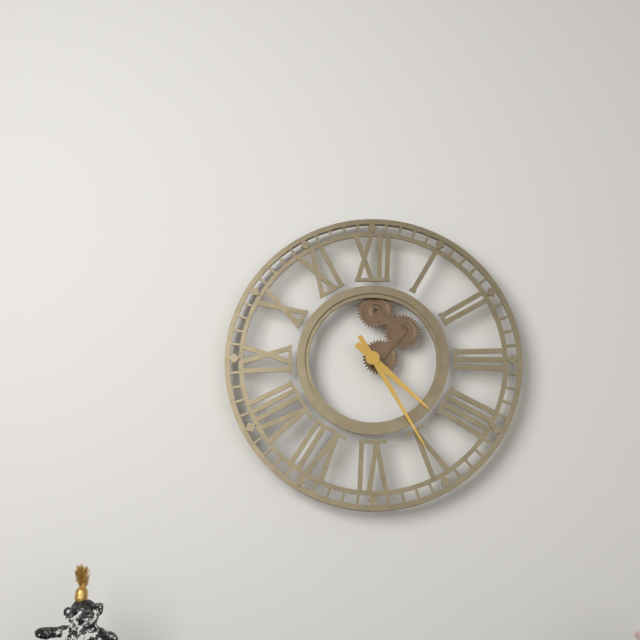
4:25
